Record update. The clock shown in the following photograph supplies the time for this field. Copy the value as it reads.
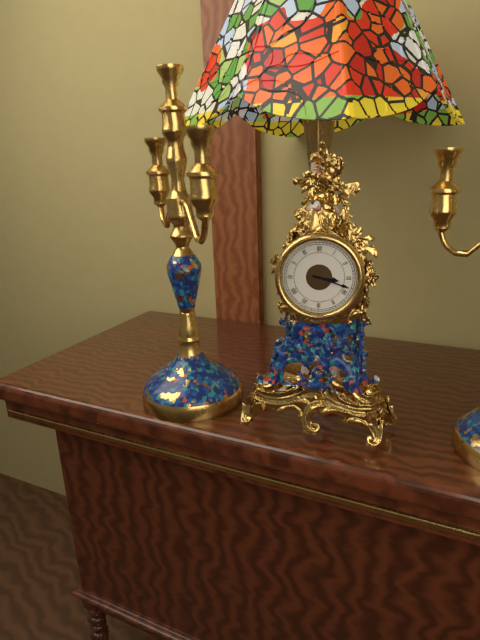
3:18
